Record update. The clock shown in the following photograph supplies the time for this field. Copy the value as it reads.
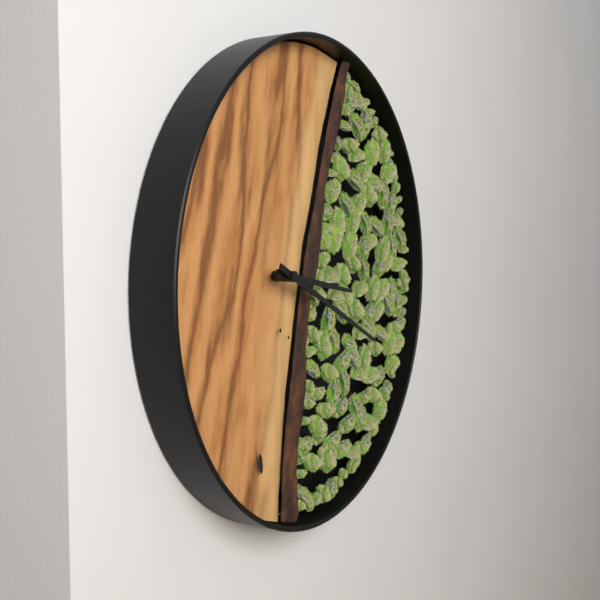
3:19
